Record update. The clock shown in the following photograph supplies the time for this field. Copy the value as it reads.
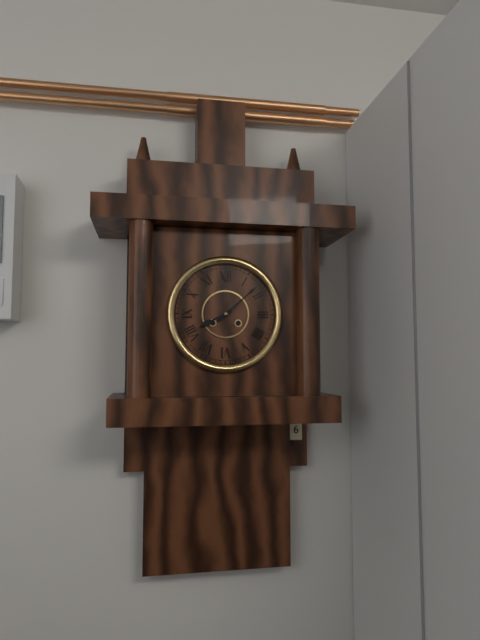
8:08
